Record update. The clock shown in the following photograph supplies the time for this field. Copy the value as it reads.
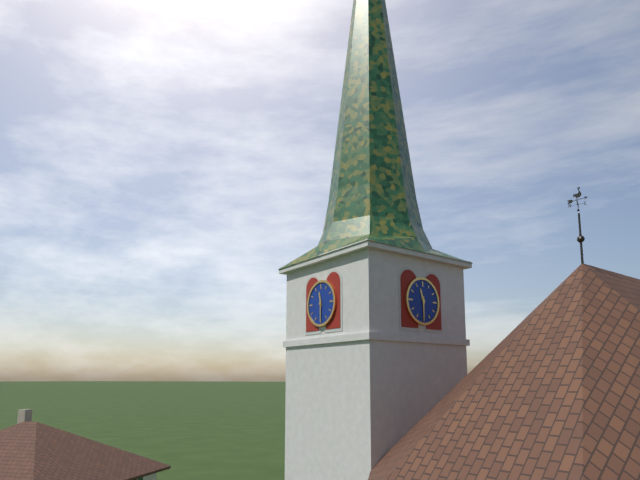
11:30
